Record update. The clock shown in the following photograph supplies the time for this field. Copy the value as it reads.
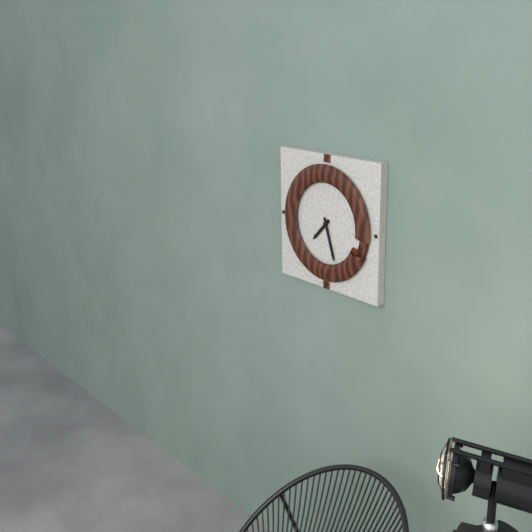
7:27
